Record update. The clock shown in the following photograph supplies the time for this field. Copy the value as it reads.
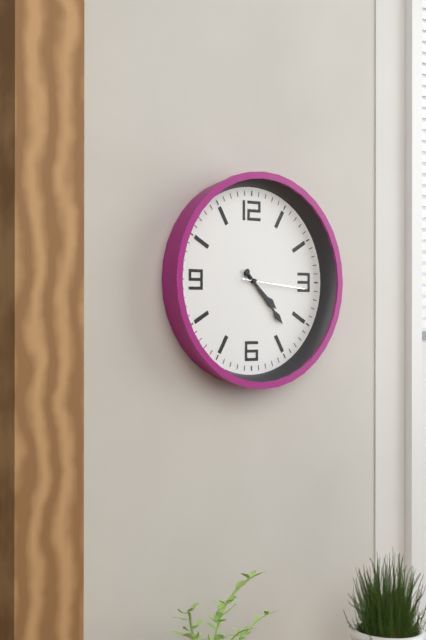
4:23:16
